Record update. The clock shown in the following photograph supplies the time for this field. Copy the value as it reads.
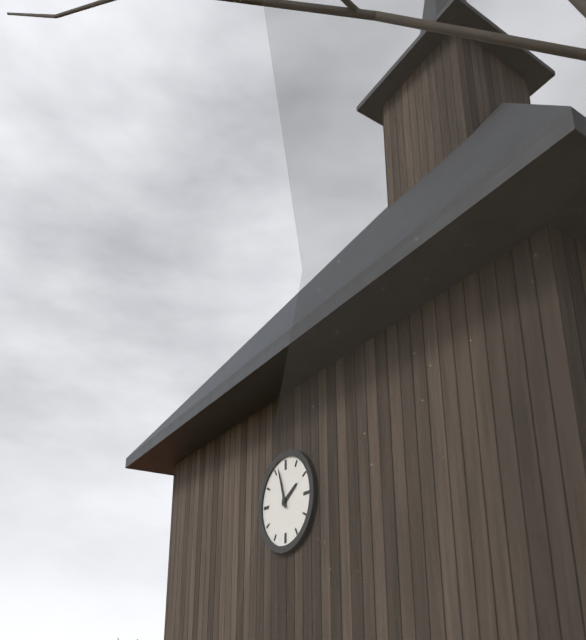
1:57
